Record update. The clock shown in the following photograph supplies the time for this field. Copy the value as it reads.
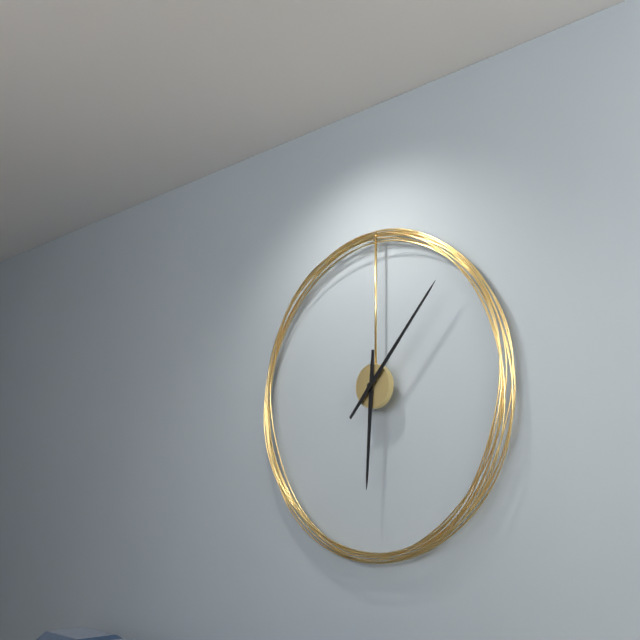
6:07
